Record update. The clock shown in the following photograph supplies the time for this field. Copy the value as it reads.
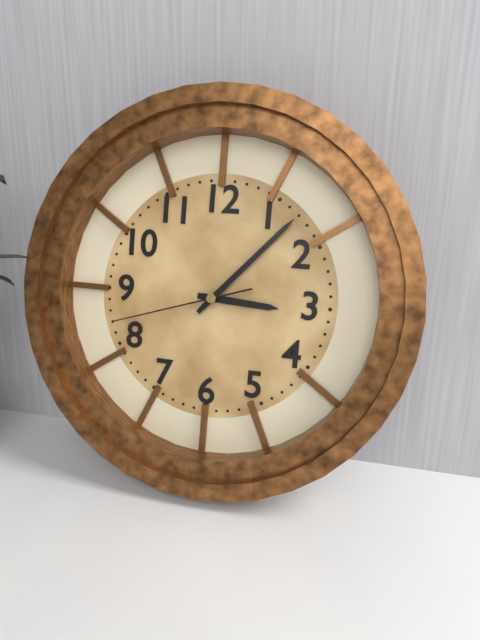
3:07:42
